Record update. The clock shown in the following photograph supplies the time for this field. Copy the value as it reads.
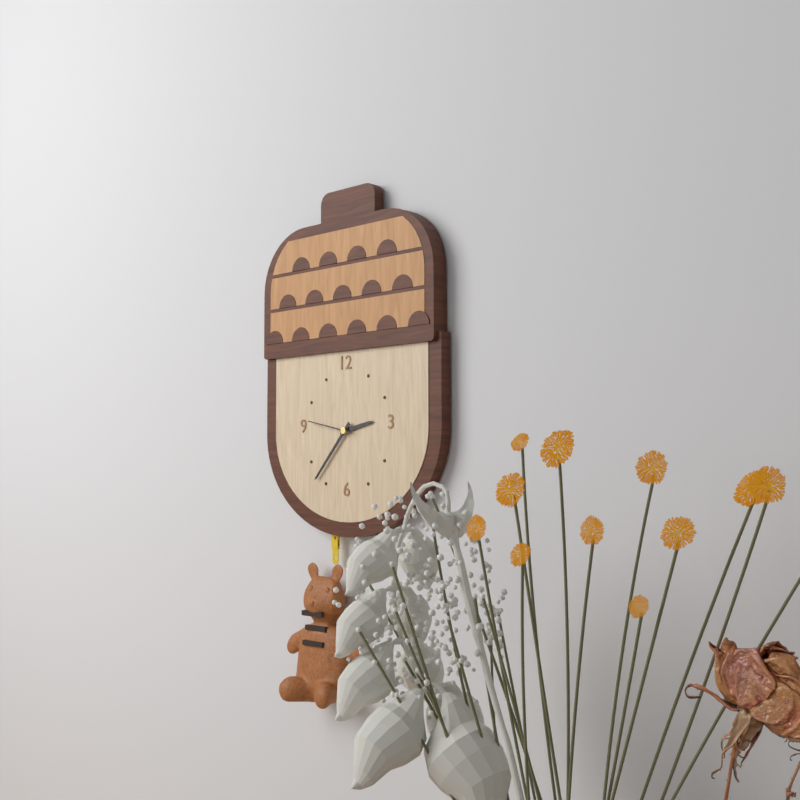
2:37:47
